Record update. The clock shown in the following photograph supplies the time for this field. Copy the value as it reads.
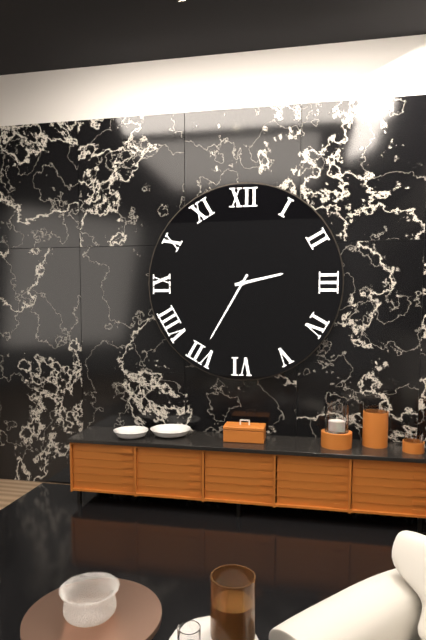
2:35
